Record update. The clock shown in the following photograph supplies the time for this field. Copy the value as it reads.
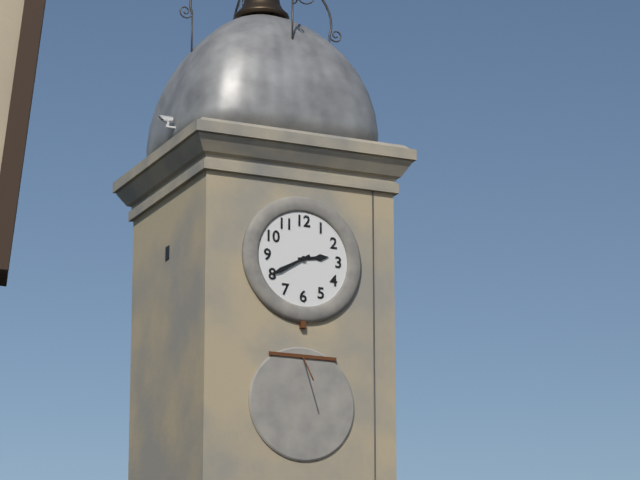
2:40
